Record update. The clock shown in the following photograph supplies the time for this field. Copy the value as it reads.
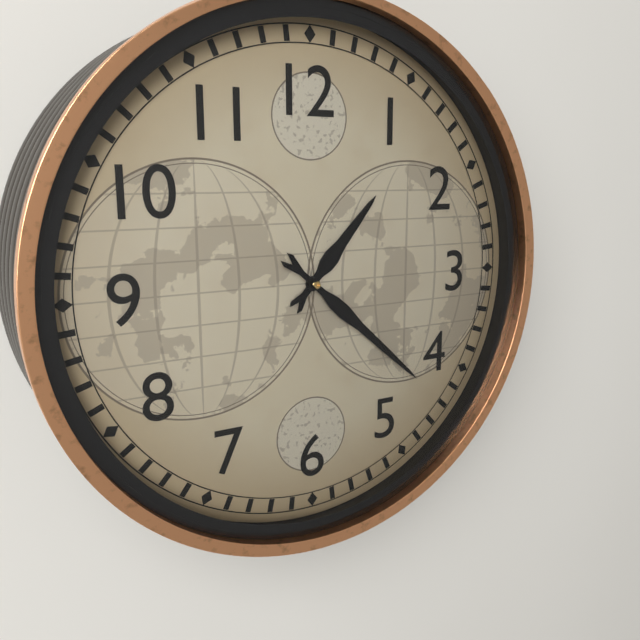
1:22
